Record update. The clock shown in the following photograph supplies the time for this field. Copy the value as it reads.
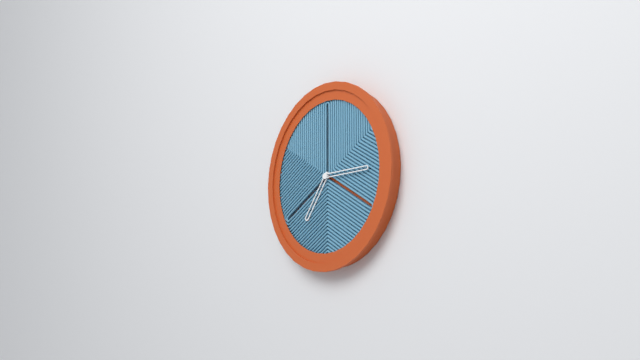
7:15
